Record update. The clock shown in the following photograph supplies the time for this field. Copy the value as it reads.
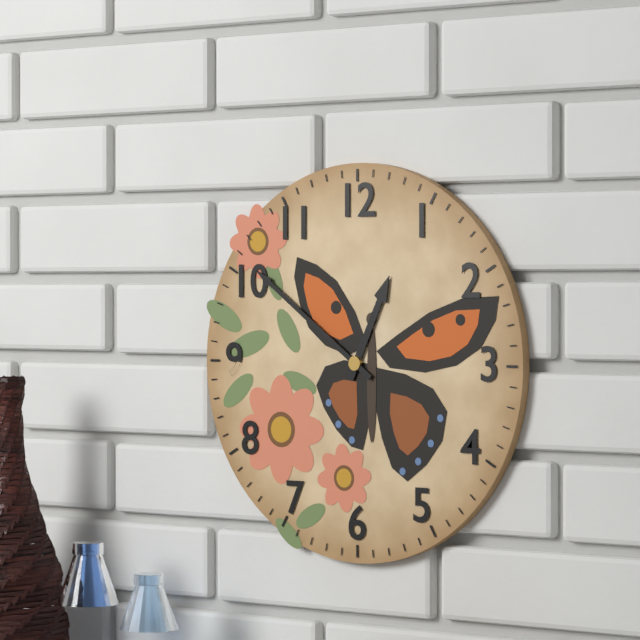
12:51
